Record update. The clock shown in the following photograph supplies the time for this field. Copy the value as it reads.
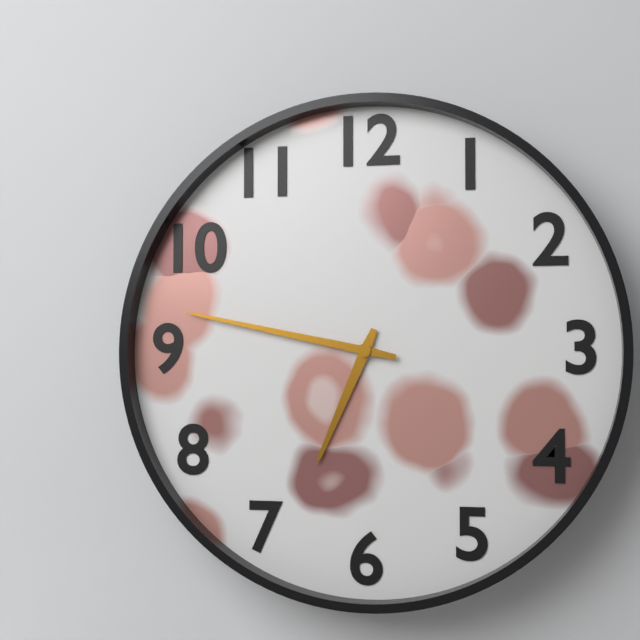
6:47
